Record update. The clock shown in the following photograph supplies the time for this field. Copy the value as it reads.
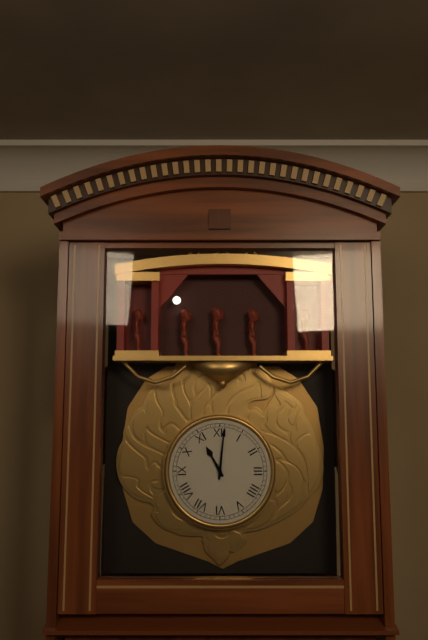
11:01
